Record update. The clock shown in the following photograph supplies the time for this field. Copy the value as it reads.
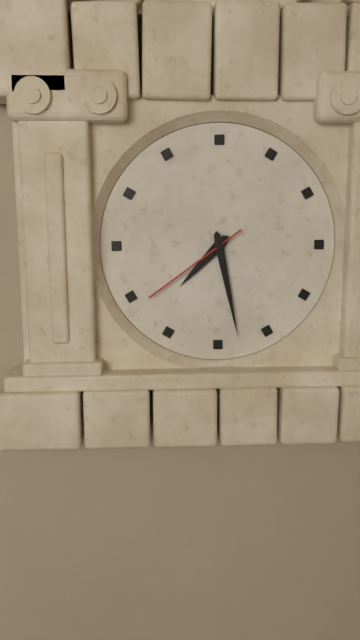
7:28:39
